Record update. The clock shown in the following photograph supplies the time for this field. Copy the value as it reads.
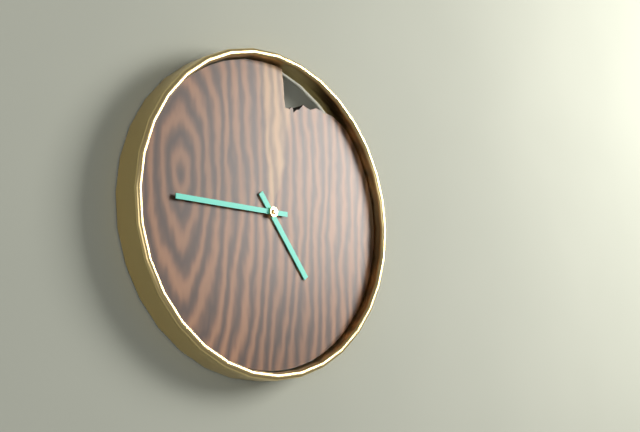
4:45
